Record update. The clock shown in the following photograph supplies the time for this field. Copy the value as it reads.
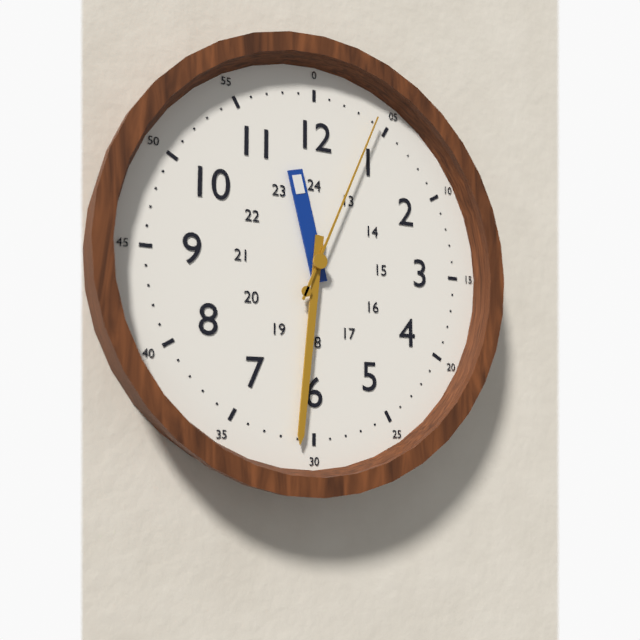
11:31:04
